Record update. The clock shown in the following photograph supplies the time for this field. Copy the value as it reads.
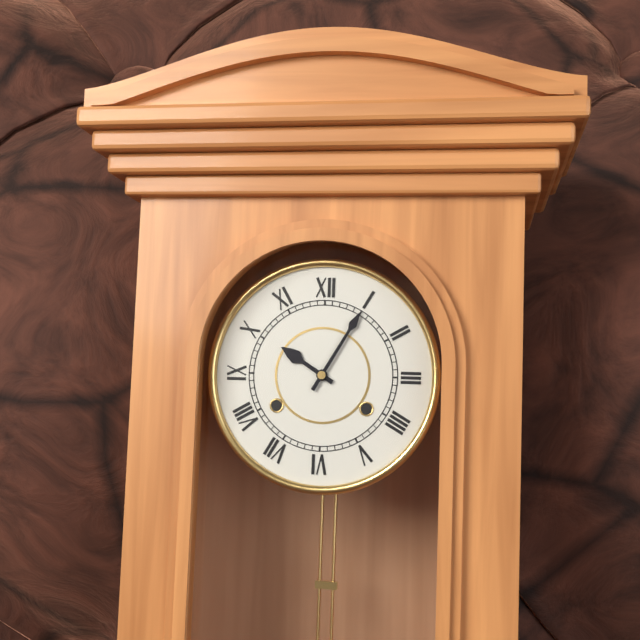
10:05
